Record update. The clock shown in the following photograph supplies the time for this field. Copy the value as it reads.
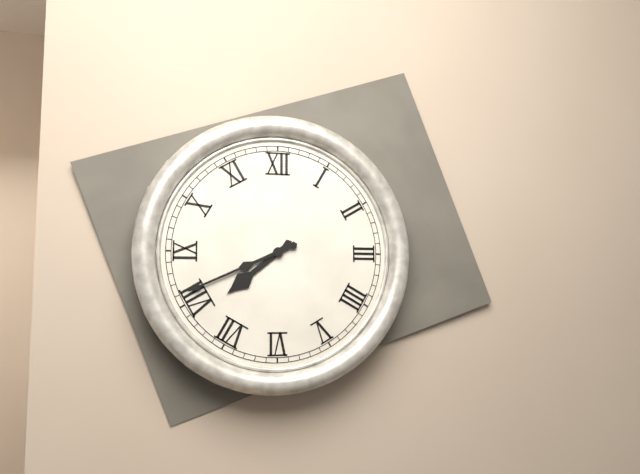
7:41
